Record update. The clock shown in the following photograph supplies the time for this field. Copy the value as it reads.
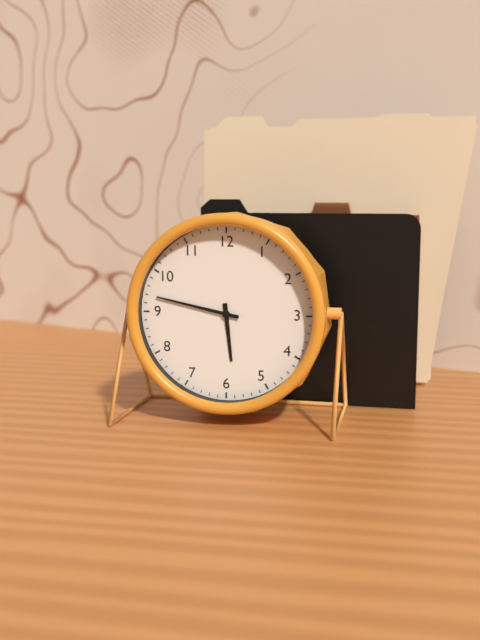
5:47
